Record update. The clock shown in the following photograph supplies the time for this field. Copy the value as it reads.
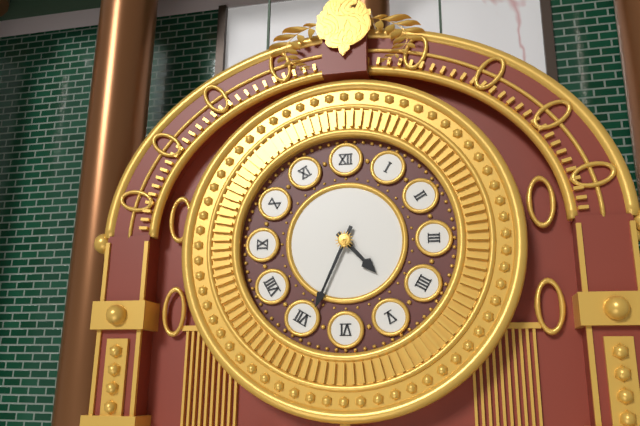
4:34
